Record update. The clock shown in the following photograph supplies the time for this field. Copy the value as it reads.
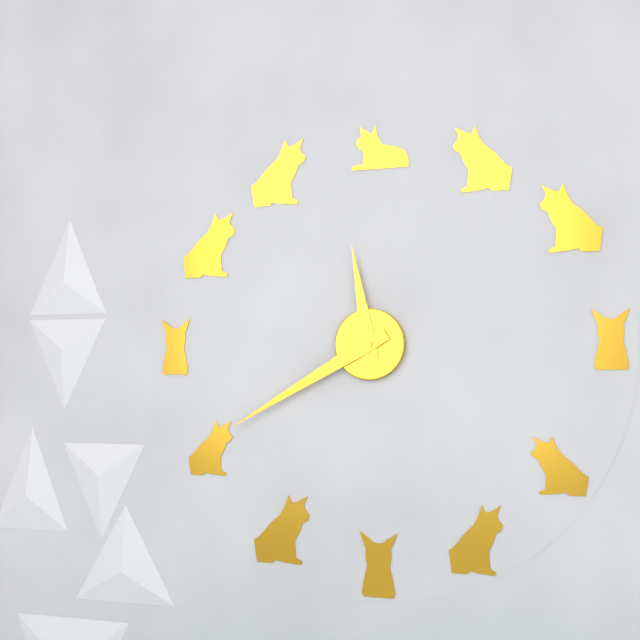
11:40
